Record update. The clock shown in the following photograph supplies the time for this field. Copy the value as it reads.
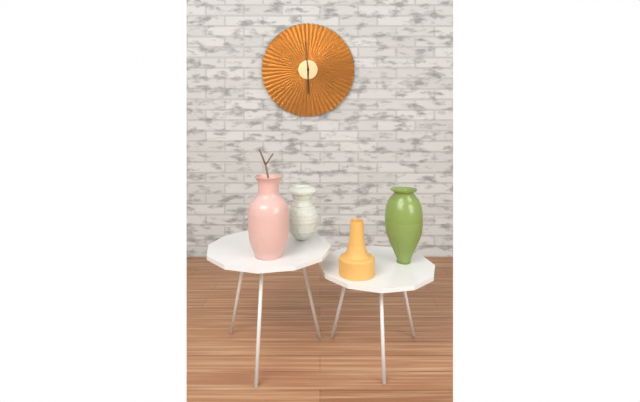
5:59
